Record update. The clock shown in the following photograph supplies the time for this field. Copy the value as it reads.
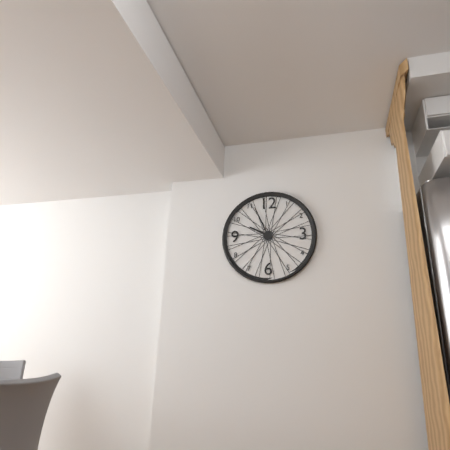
9:56
